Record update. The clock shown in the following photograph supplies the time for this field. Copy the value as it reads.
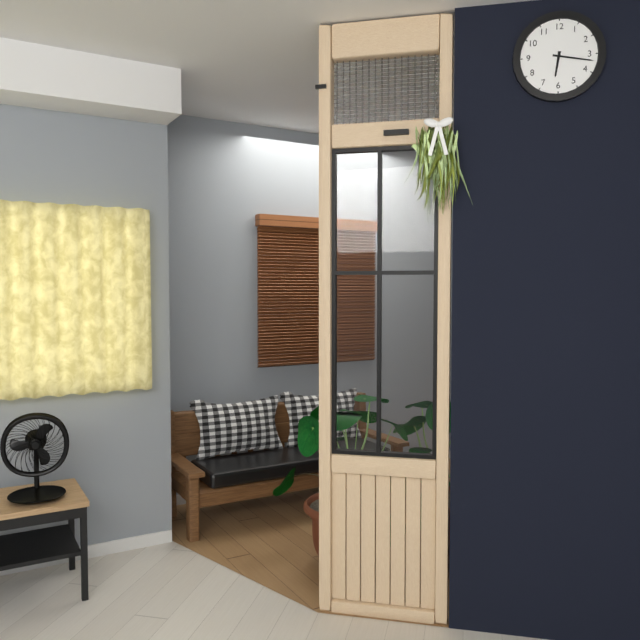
6:17
